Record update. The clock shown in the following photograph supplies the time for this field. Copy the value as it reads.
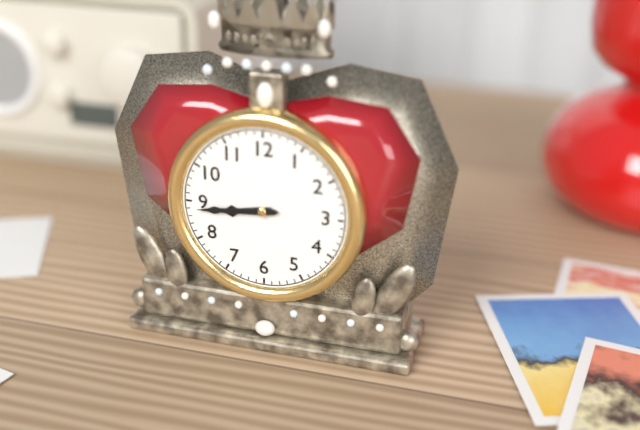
8:44
